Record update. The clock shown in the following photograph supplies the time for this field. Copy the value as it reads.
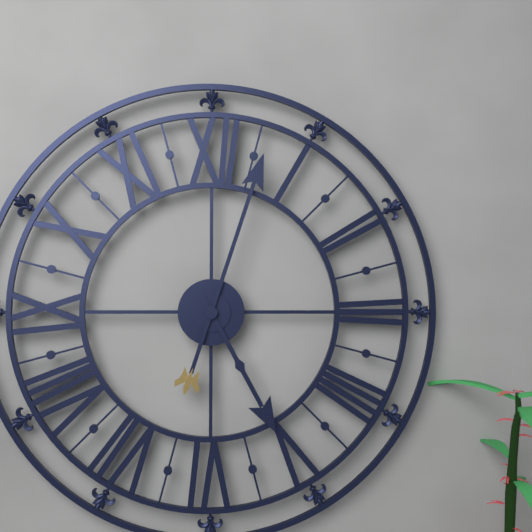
5:03
